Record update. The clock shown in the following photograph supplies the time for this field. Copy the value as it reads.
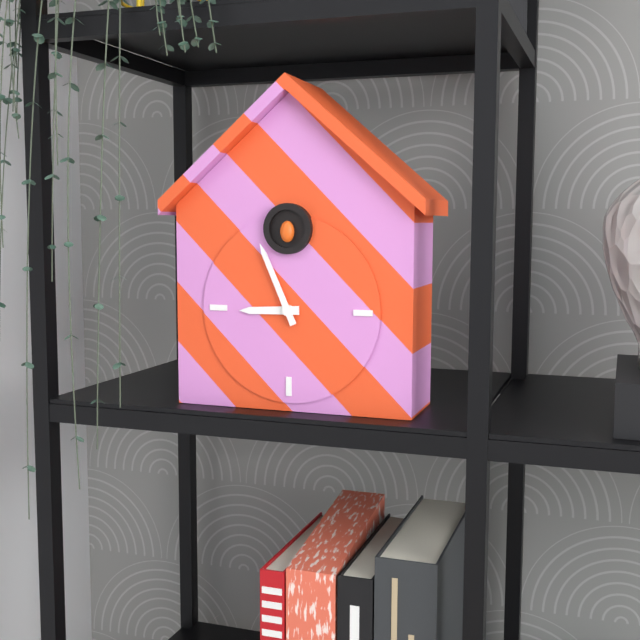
8:56
